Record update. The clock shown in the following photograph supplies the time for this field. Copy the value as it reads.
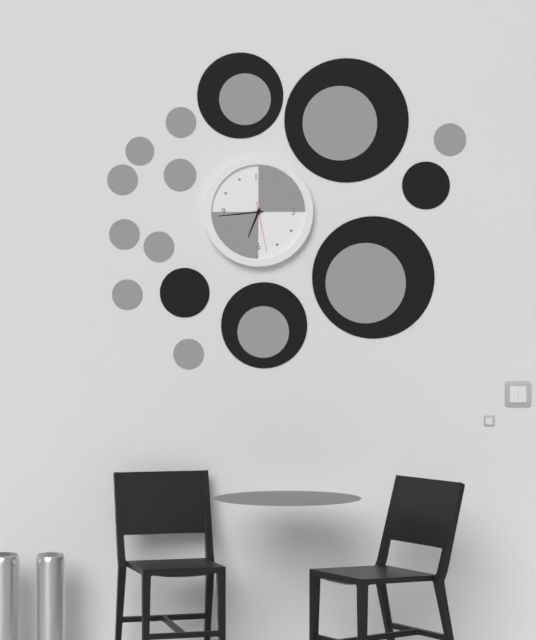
6:44:28
